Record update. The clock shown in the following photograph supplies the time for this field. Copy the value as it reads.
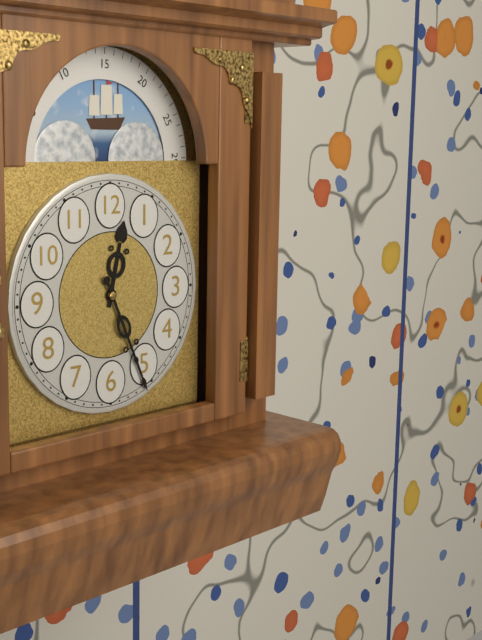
12:26
